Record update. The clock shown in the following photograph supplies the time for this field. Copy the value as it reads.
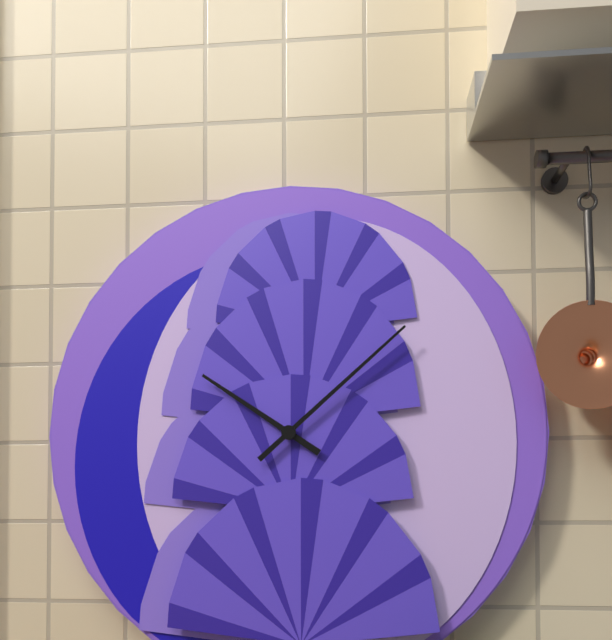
10:08
